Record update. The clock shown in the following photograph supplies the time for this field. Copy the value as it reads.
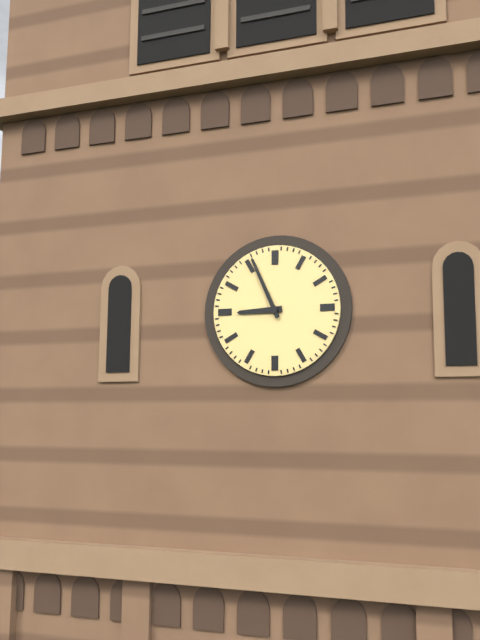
8:56
